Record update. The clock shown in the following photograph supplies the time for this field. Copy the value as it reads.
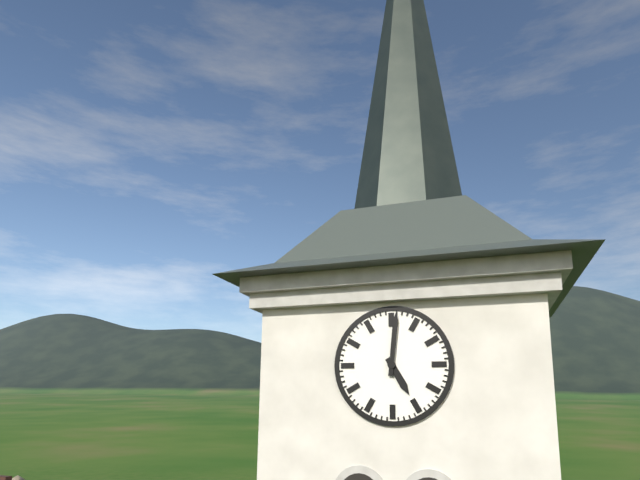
5:01
